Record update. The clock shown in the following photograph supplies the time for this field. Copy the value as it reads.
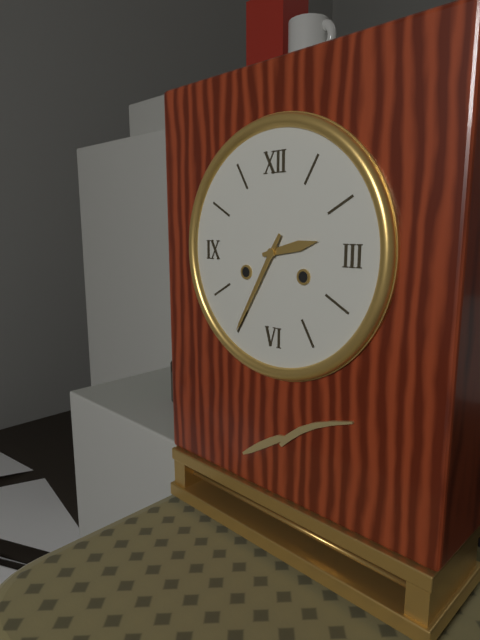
2:35
